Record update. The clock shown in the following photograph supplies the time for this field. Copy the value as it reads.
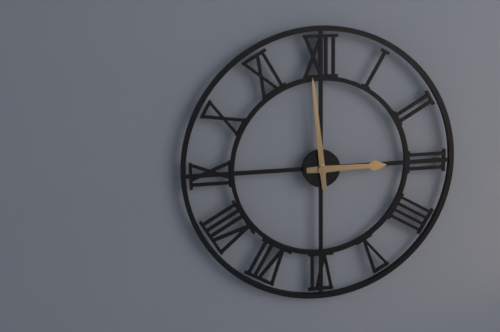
2:59
